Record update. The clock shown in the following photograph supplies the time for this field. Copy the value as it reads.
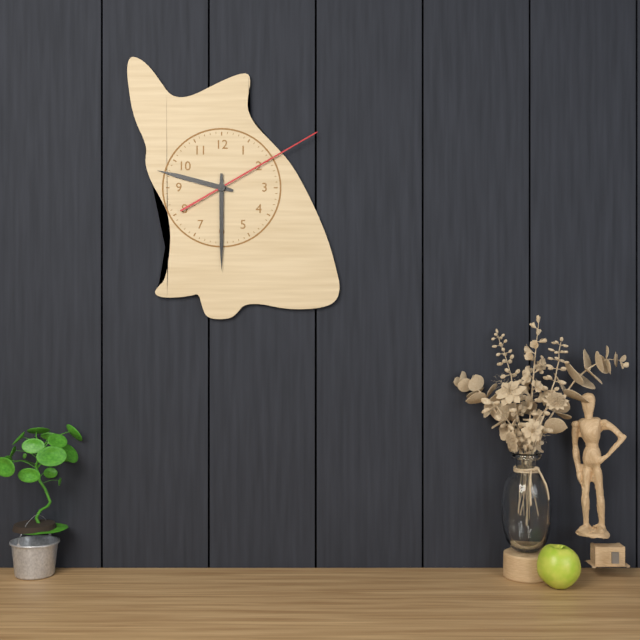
9:30:10
